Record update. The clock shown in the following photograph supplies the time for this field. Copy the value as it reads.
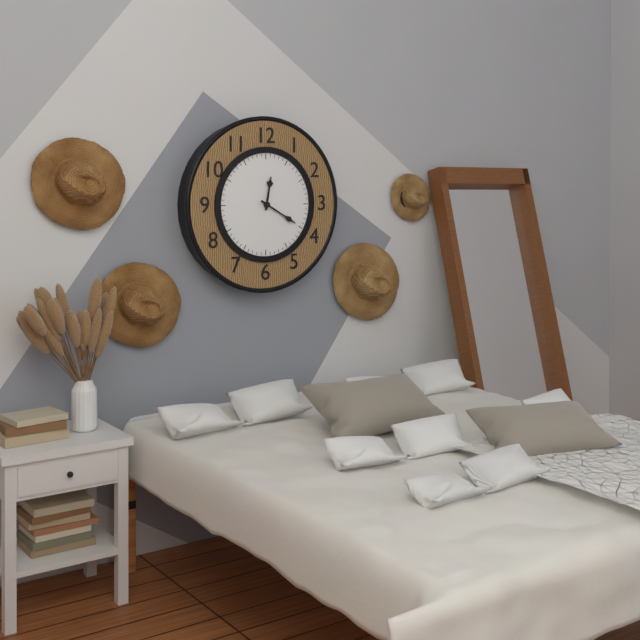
12:20
